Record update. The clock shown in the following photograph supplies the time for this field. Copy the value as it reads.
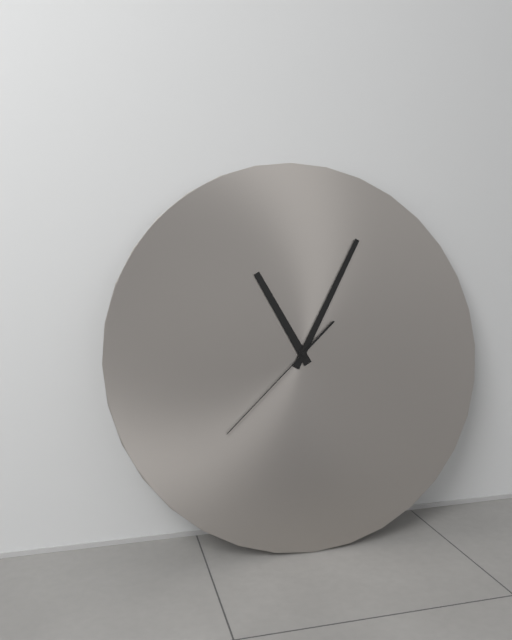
11:05:38
